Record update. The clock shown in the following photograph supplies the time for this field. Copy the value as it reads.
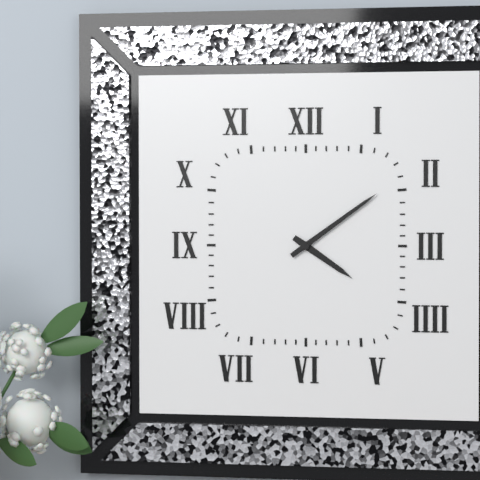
4:09
